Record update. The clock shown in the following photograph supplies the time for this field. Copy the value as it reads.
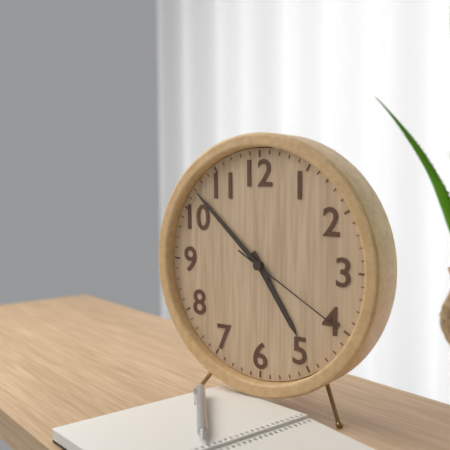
4:52:20
